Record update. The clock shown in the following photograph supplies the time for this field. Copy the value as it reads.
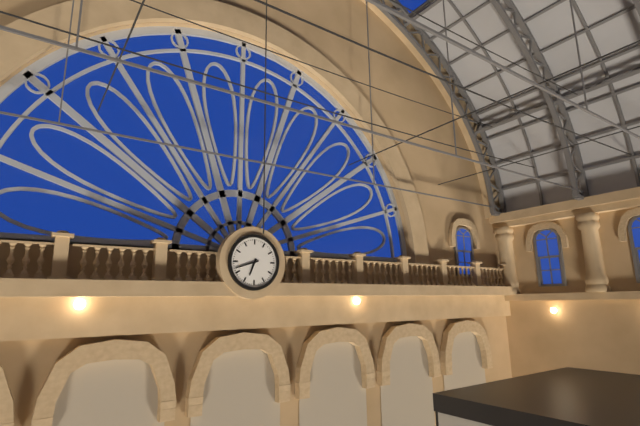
6:42
